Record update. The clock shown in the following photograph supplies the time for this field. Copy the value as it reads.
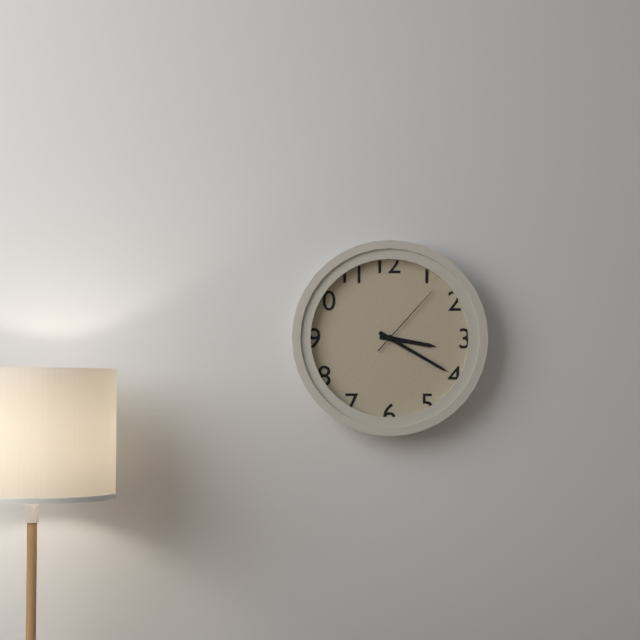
3:20:07
